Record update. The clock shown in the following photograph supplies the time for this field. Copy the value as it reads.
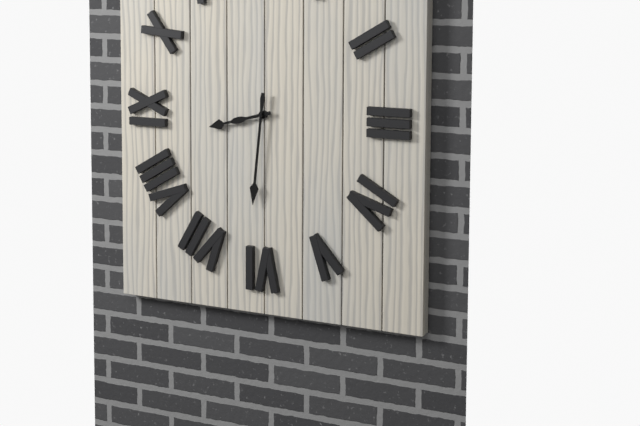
8:31
